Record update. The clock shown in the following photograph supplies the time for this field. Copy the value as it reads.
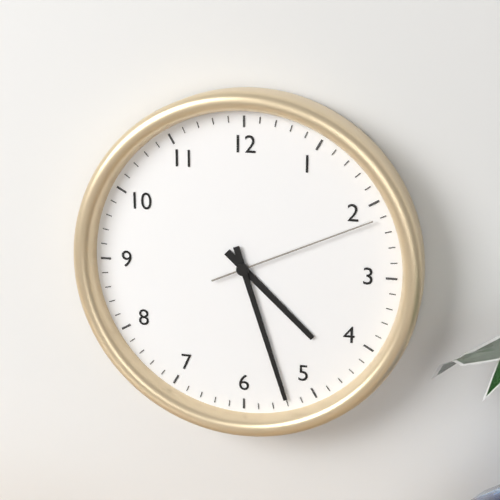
4:27:11
